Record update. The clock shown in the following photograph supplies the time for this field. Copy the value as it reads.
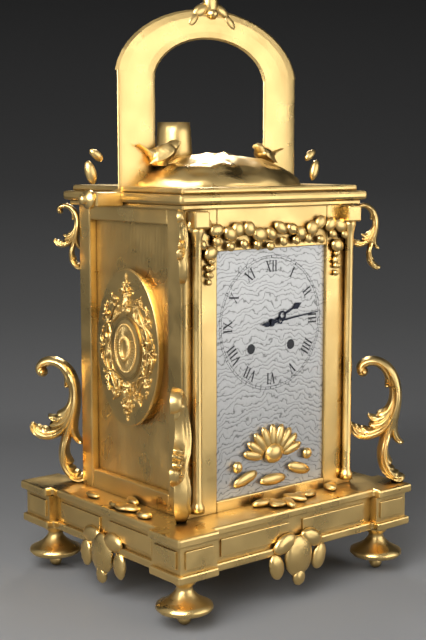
2:14
